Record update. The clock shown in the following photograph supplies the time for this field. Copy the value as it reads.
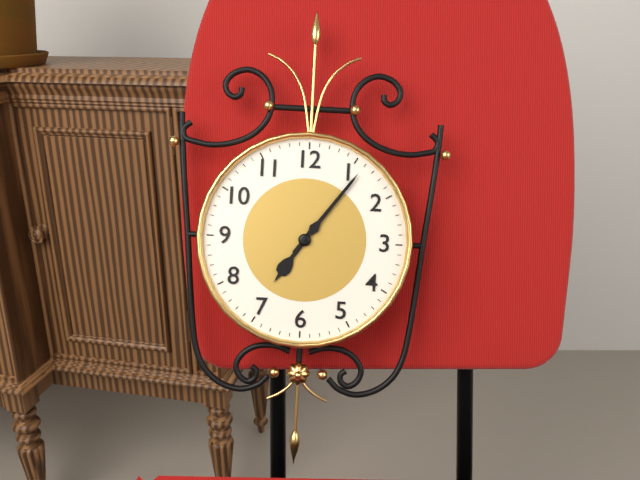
7:06
